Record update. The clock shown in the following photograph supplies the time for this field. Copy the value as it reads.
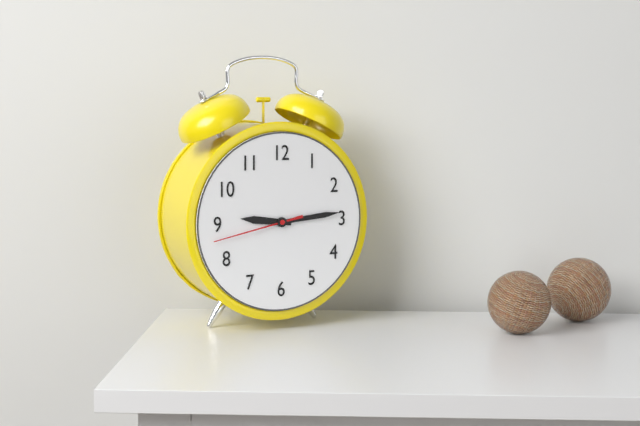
9:14:43
